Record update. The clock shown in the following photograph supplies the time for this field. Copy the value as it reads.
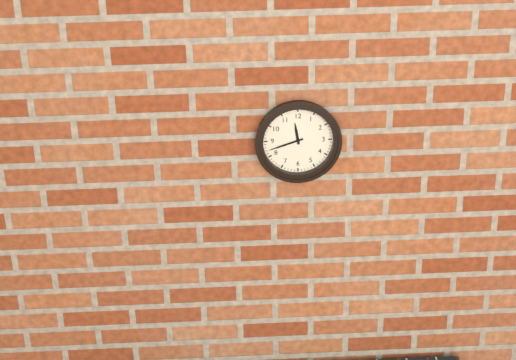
11:42
